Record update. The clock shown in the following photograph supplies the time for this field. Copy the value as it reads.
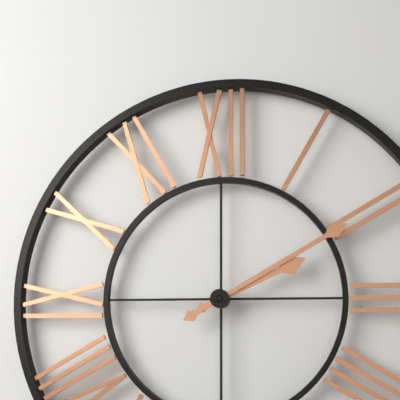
2:10
